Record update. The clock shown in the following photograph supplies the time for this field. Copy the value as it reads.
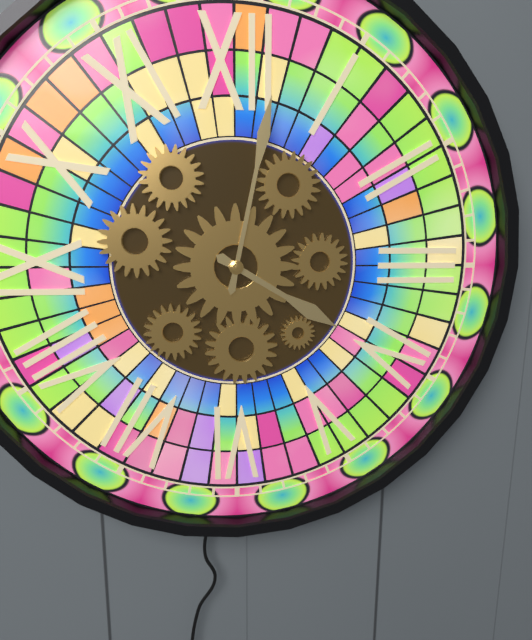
4:02
